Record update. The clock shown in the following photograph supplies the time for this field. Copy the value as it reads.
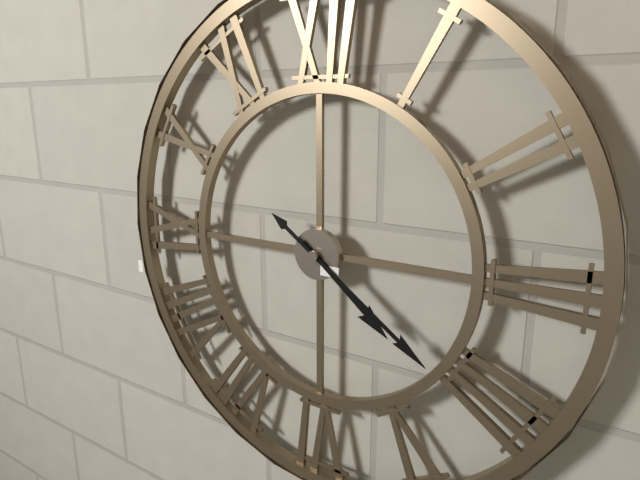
4:21
